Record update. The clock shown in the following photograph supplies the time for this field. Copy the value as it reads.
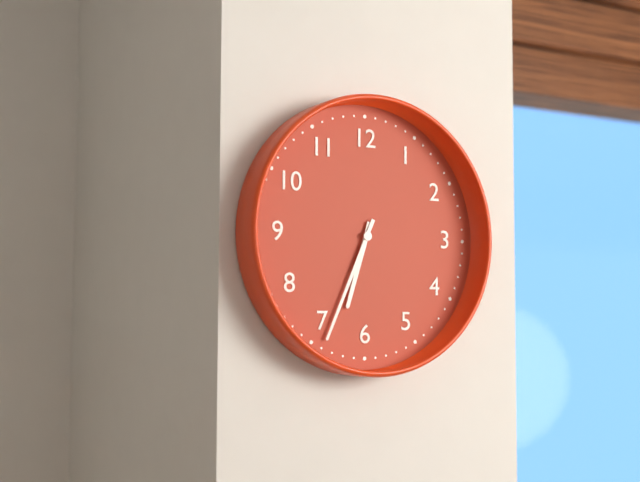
6:34
